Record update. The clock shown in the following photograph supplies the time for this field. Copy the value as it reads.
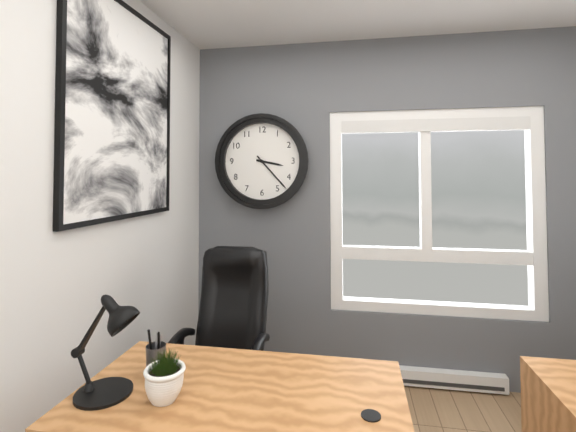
3:23
